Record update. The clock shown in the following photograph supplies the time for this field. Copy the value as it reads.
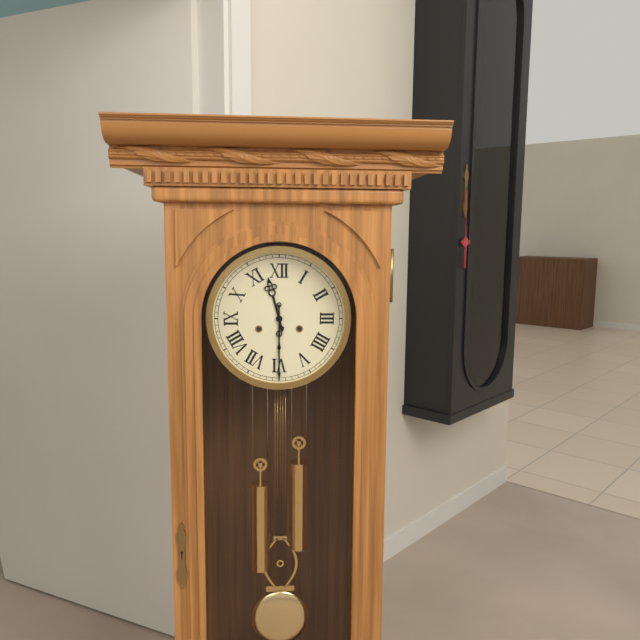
11:30
